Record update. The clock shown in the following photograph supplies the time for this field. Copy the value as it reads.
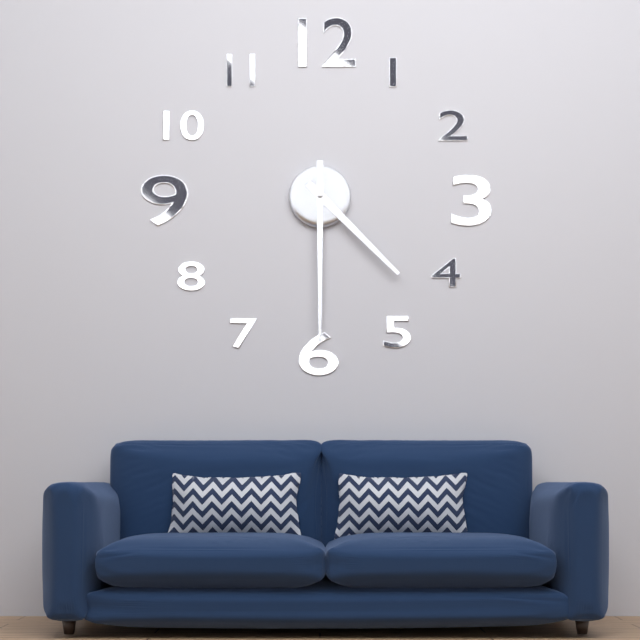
4:30
